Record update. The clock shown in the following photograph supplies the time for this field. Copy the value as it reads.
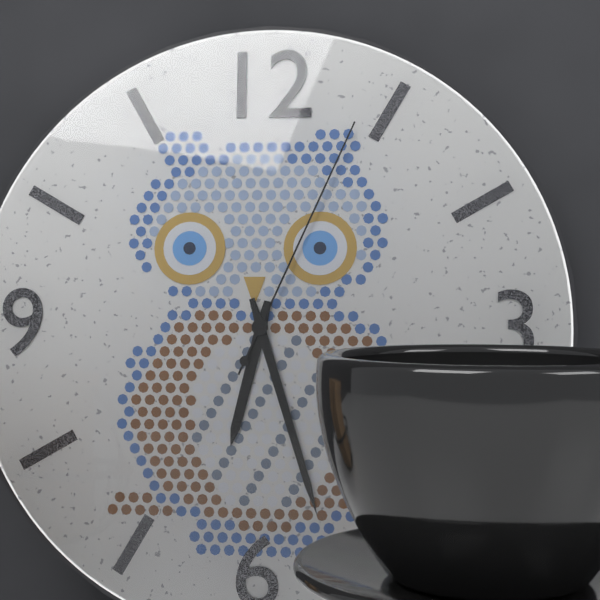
6:27:04
